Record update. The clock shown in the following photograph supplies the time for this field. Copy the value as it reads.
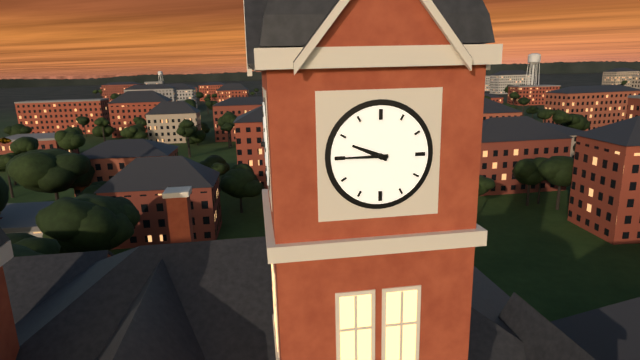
9:45
